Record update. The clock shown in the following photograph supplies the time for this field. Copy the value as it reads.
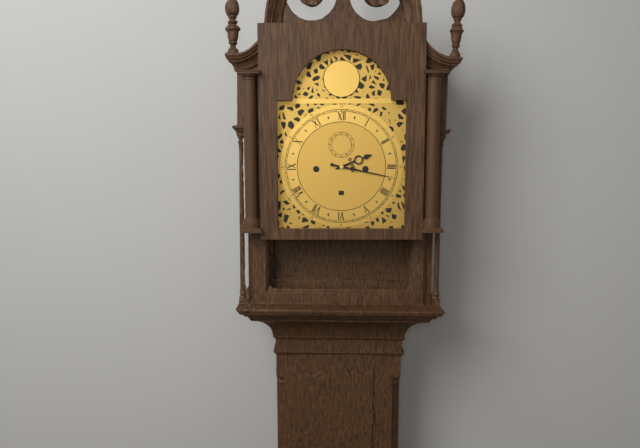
2:17
